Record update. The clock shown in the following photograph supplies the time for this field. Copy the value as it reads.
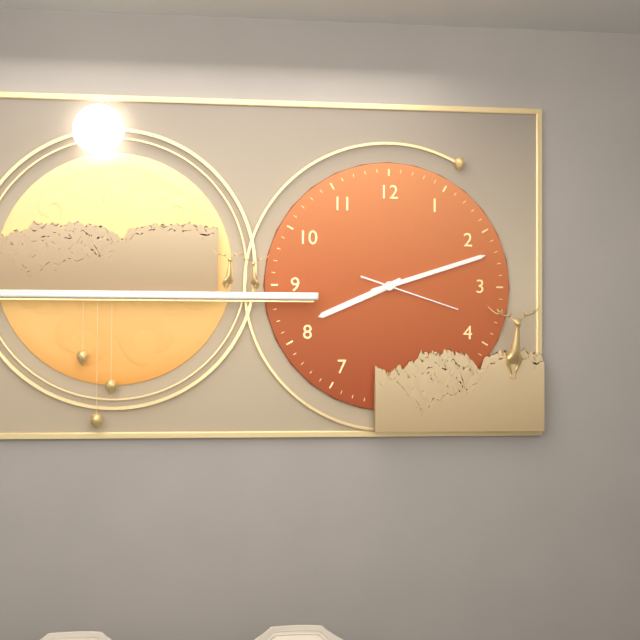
8:12:18
